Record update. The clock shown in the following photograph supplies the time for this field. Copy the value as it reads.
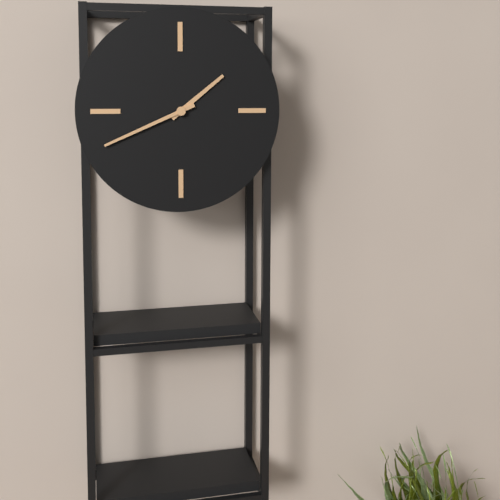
1:41
